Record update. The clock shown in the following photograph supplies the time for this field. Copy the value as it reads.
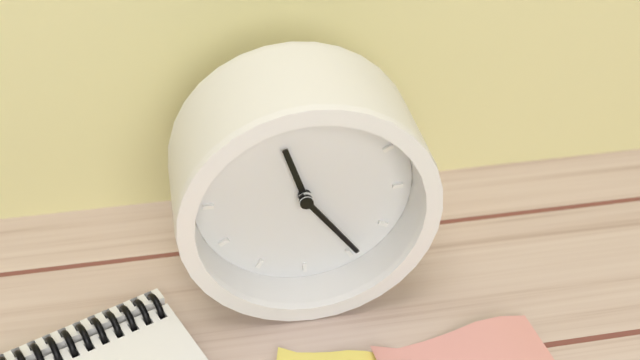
11:24
